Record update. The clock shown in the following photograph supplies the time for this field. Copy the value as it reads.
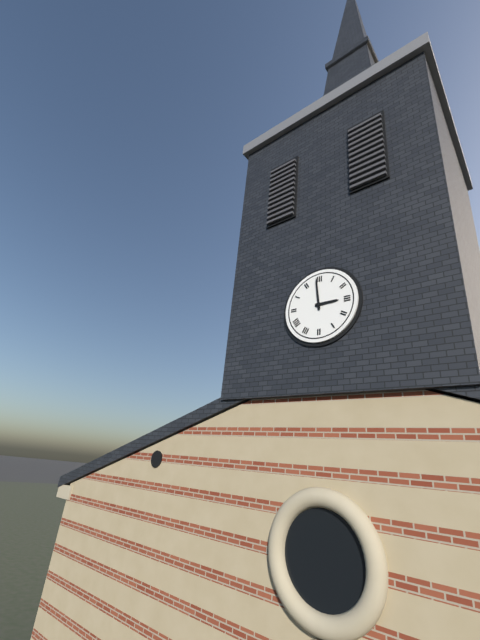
2:59
